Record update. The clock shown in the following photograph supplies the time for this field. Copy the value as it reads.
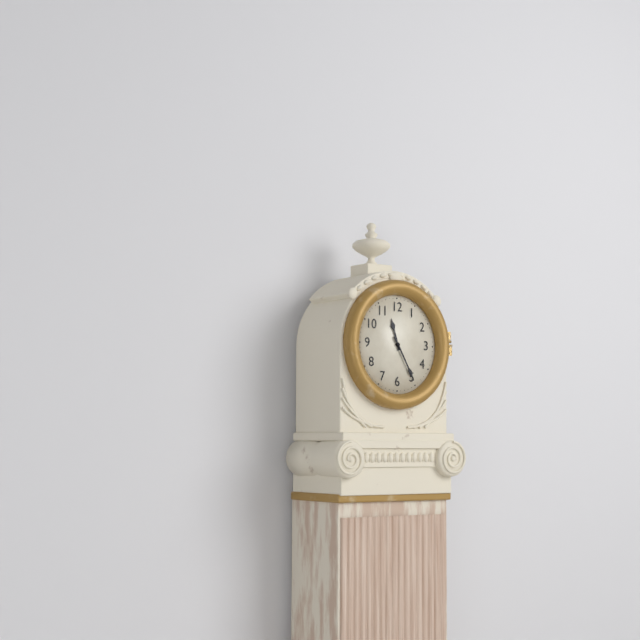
11:25
